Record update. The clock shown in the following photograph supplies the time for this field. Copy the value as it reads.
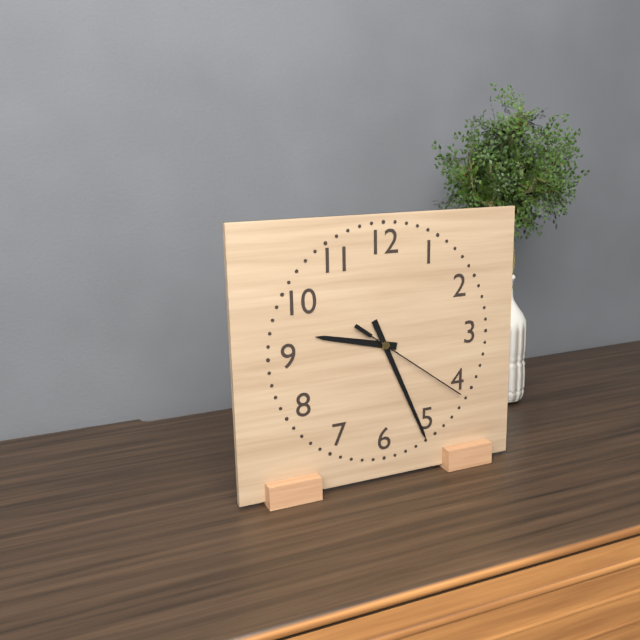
9:26:21
